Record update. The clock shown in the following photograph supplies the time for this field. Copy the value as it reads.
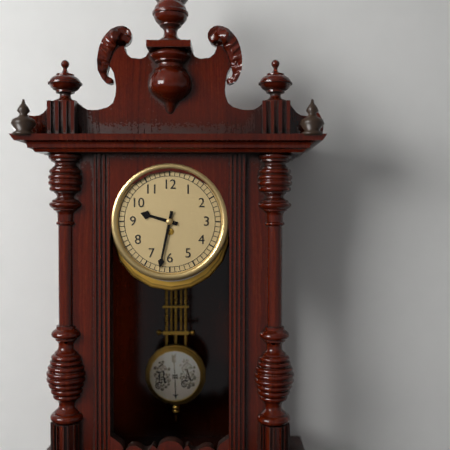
9:32
